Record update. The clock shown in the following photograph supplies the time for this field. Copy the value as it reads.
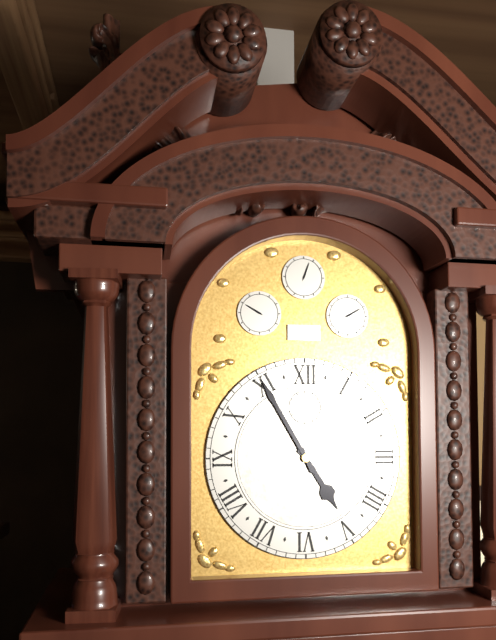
4:55
